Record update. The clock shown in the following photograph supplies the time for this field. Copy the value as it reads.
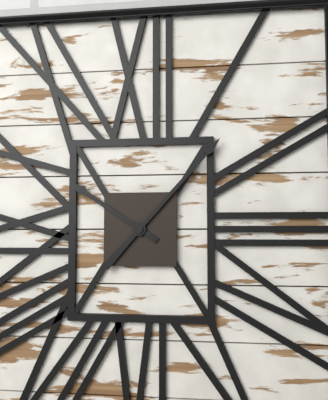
10:07
